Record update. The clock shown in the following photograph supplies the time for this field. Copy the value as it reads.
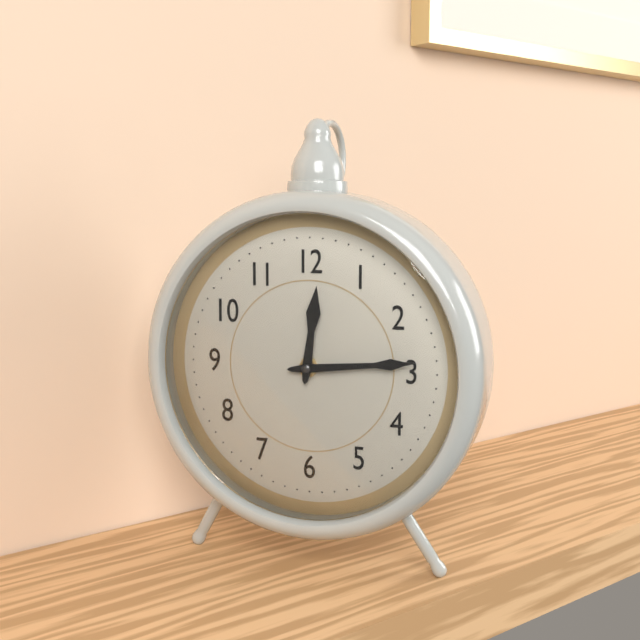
12:14
